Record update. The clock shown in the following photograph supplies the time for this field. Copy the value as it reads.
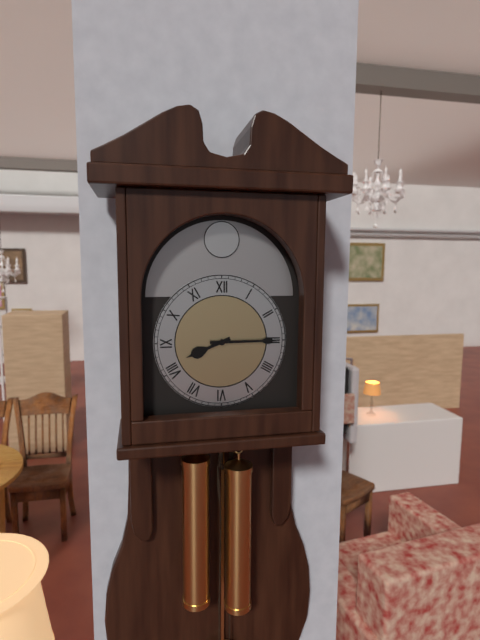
8:15
